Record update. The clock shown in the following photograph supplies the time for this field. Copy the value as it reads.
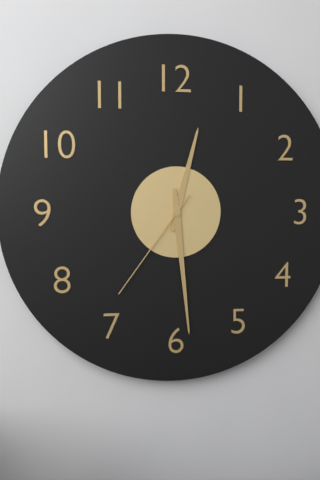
12:29:36
